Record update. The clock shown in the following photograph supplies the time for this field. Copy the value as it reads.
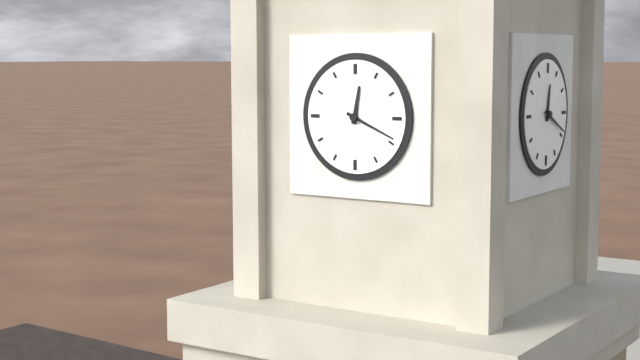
12:19
